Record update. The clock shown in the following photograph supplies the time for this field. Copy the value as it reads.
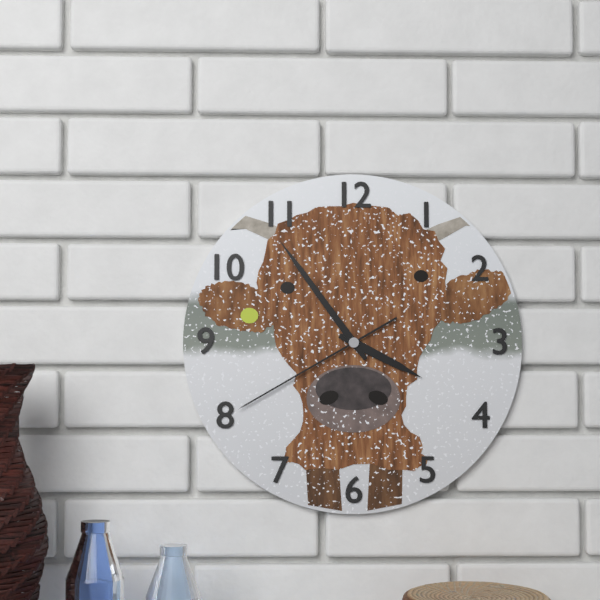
3:54:40
